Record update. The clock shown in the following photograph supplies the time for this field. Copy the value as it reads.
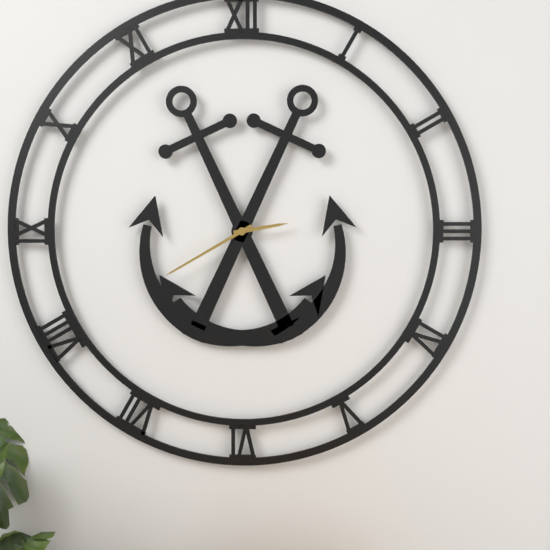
2:40
